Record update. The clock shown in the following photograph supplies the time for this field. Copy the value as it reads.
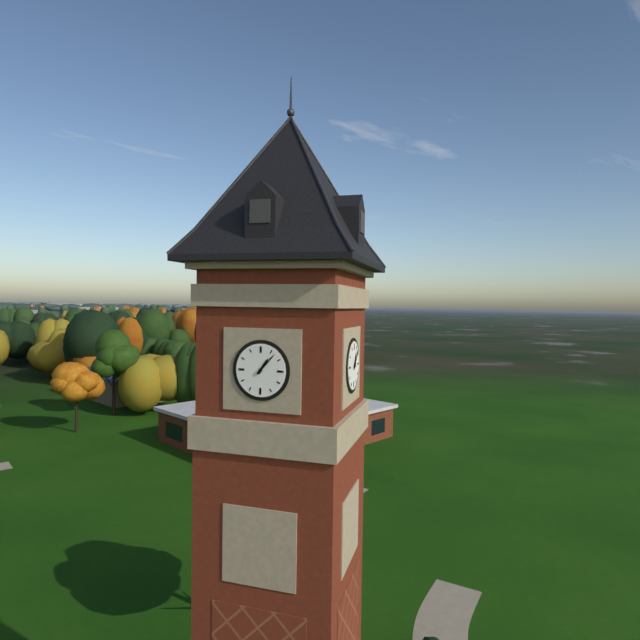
1:07
